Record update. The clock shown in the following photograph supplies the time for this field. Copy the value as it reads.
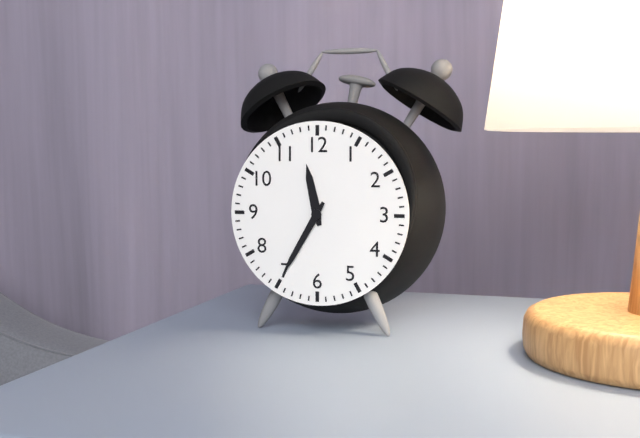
11:35
